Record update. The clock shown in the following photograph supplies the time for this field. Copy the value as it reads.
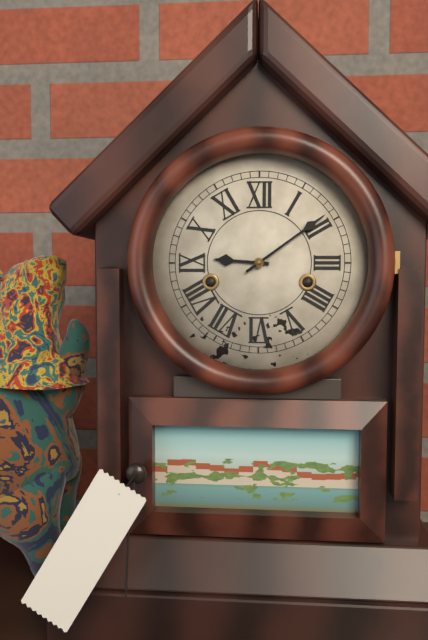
9:09
